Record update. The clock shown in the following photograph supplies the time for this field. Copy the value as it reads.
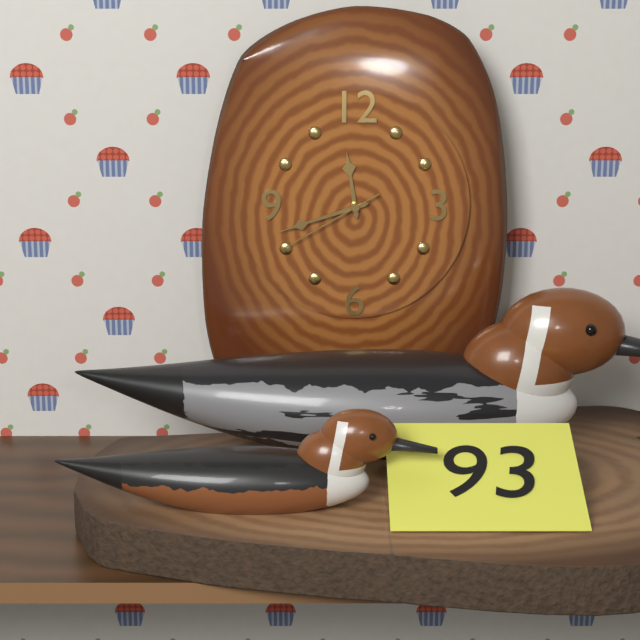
11:42:40
